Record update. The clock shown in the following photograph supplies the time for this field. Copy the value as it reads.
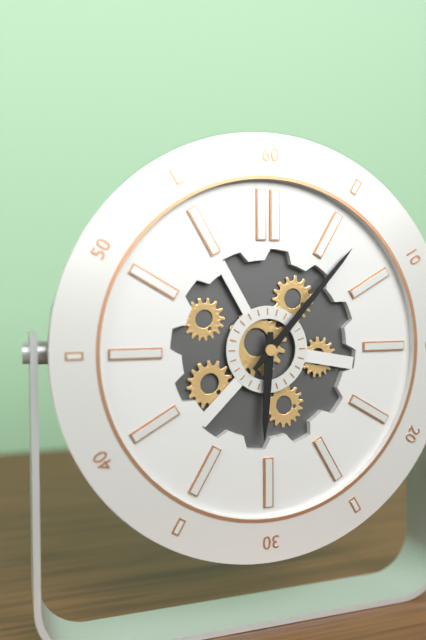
6:07
